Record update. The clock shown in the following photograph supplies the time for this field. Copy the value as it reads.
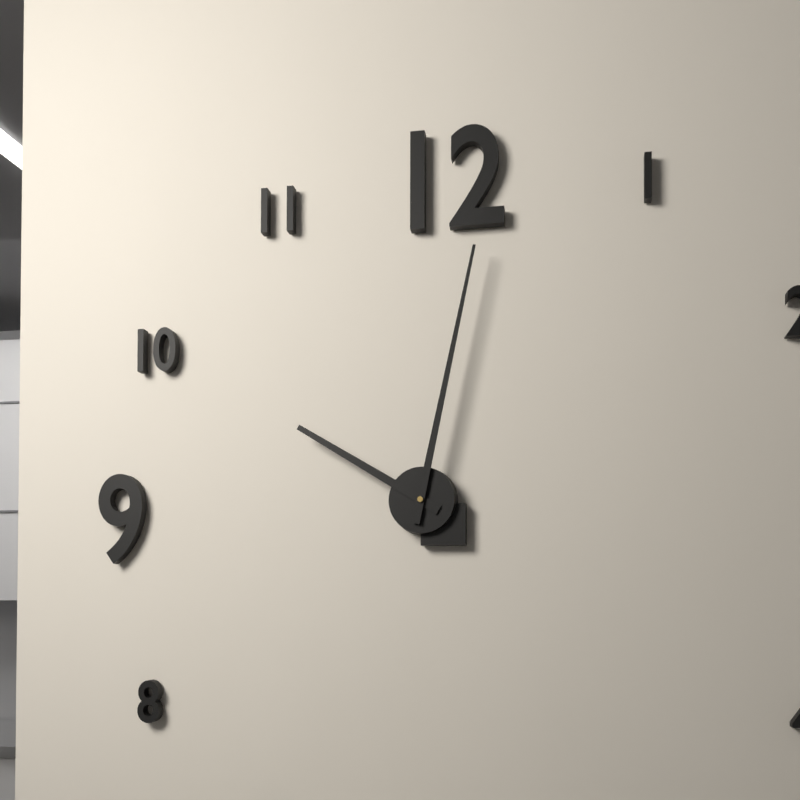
10:02
